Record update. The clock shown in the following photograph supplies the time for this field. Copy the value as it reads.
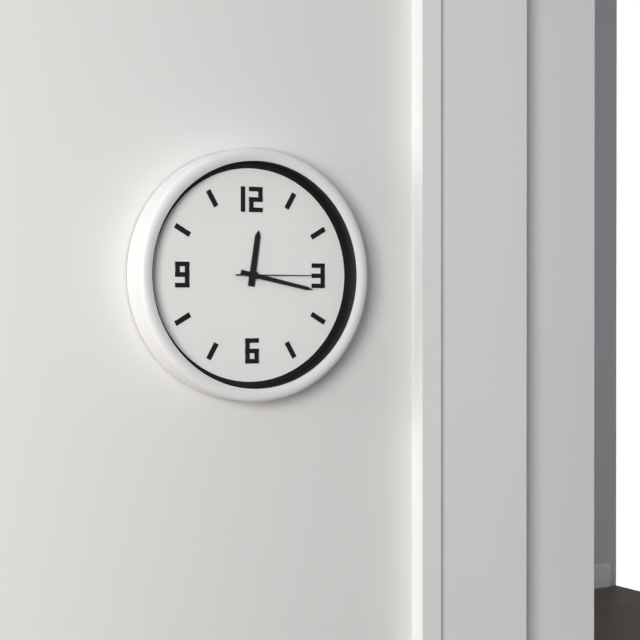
12:17:15
